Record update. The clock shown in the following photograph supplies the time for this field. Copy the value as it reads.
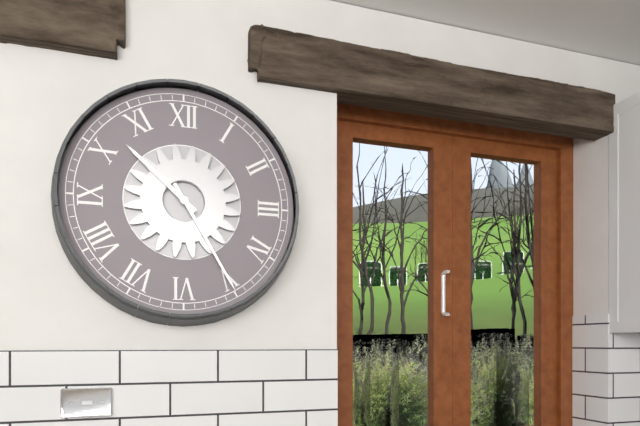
10:25
